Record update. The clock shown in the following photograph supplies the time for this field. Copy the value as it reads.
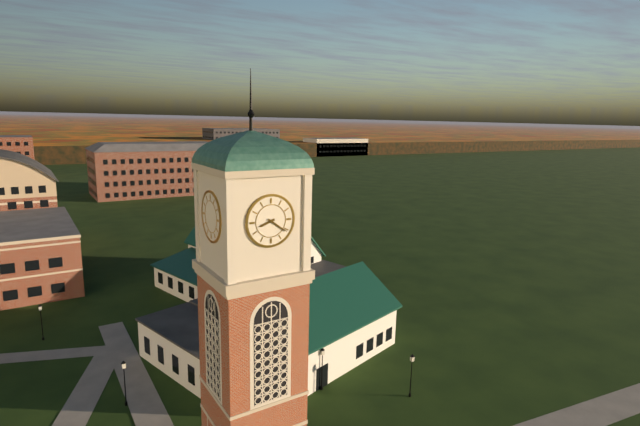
8:21
